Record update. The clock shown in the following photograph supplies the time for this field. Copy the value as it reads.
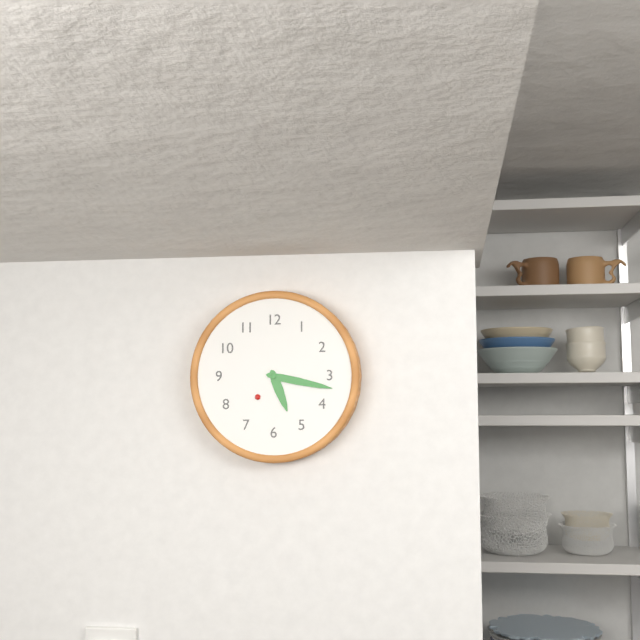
5:17
